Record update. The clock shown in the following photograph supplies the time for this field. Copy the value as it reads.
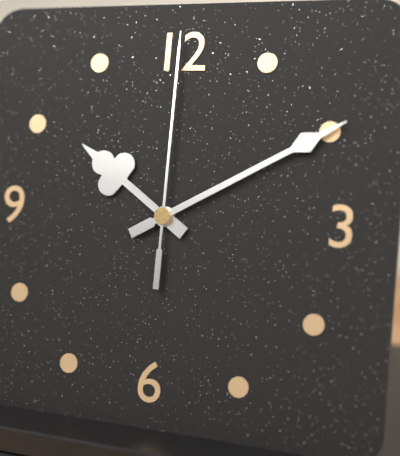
10:10:00
